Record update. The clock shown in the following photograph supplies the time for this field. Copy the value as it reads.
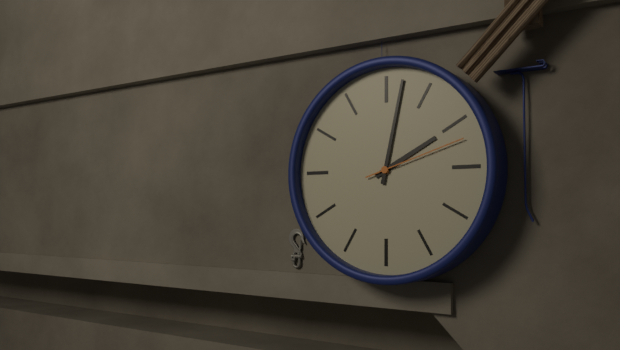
2:02:12
